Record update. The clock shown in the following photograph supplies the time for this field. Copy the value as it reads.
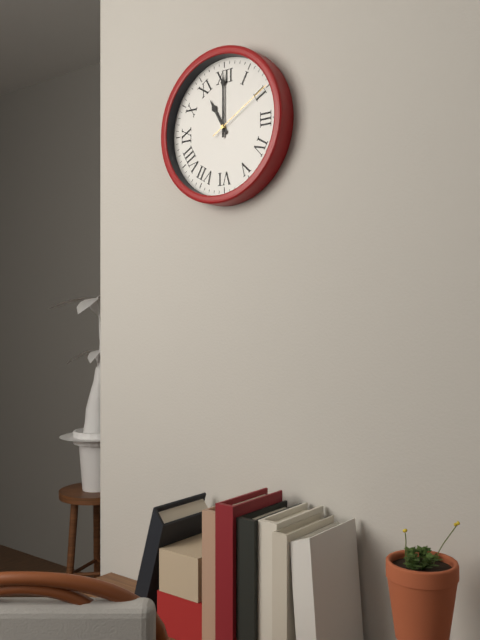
11:00:10
